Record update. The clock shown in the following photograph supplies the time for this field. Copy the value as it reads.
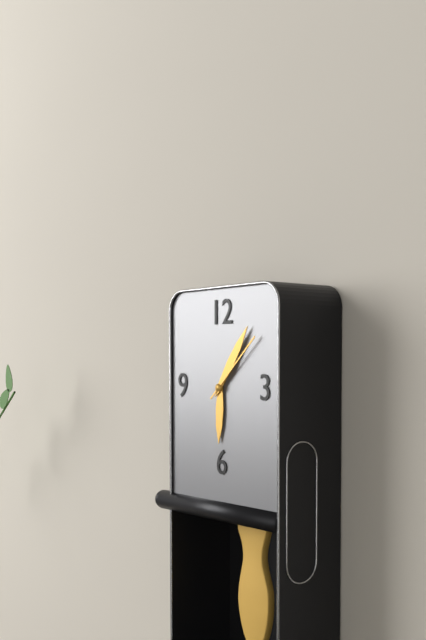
6:06:08
